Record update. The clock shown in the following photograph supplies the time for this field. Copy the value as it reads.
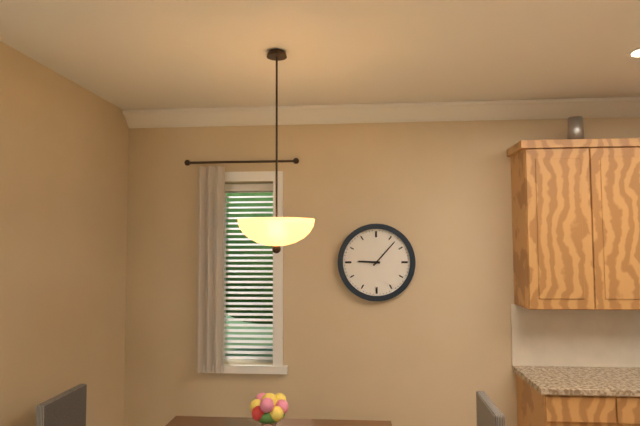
9:07
